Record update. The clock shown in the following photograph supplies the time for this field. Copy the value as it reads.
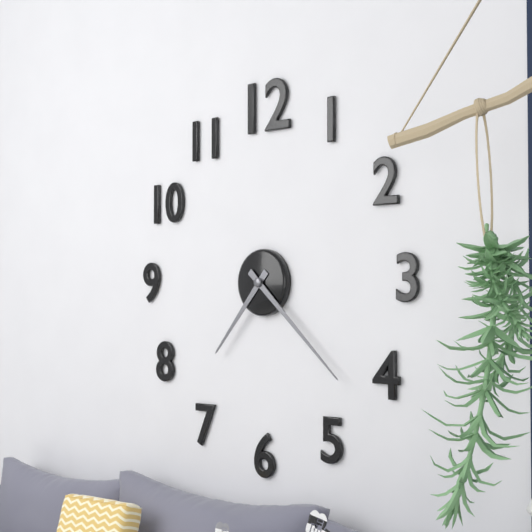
7:22
